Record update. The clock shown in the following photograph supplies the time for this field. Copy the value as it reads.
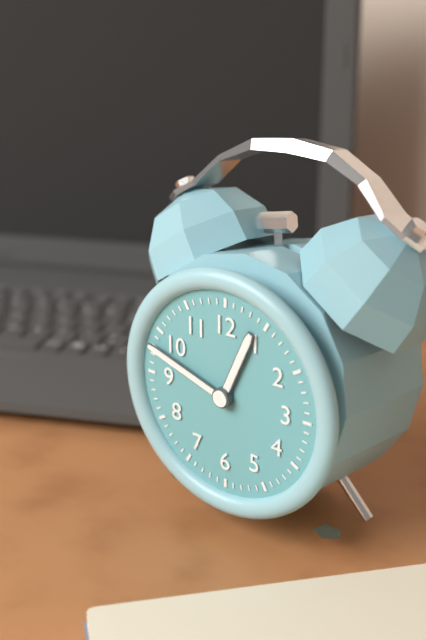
12:48
